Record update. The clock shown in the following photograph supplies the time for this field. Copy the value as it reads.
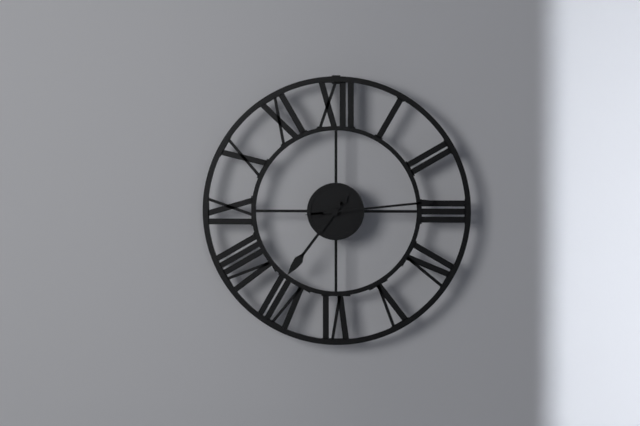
7:14
